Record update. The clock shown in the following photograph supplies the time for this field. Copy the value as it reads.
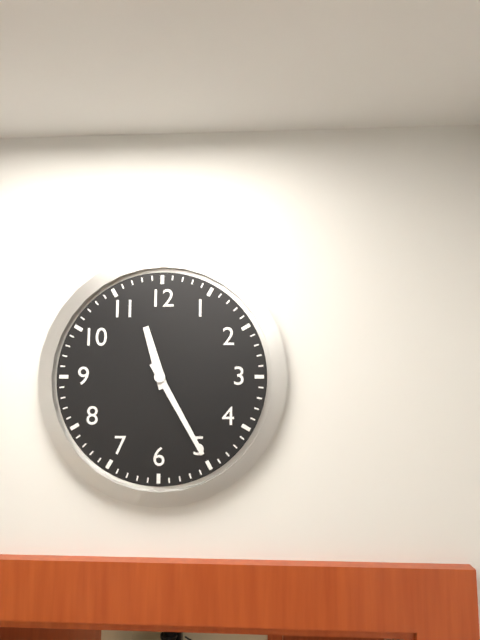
11:25
